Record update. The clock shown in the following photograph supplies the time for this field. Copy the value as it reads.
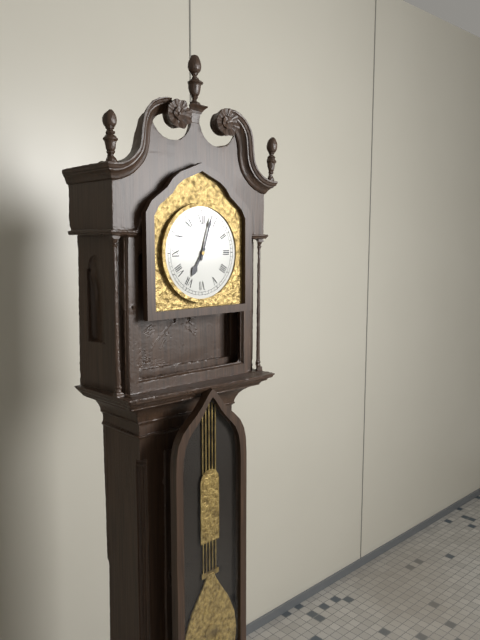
7:03
